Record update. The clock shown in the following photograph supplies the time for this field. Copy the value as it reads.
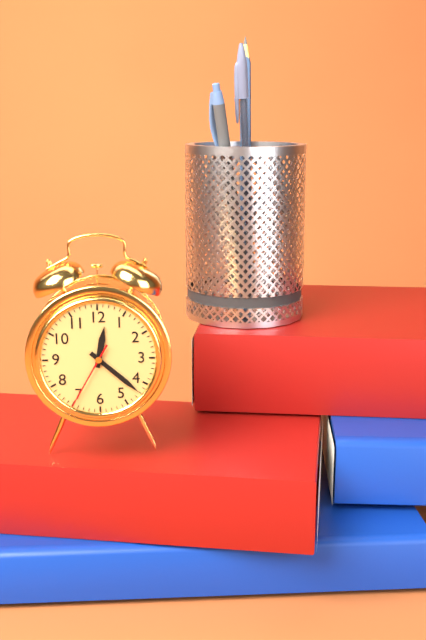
12:22:35
